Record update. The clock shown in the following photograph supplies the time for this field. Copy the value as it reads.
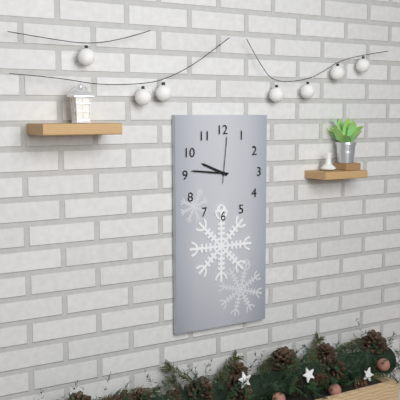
9:46
